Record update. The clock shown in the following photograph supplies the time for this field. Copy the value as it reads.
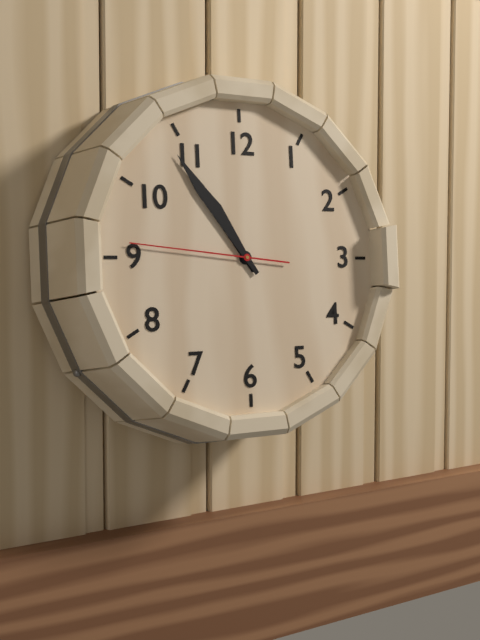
10:54:46
